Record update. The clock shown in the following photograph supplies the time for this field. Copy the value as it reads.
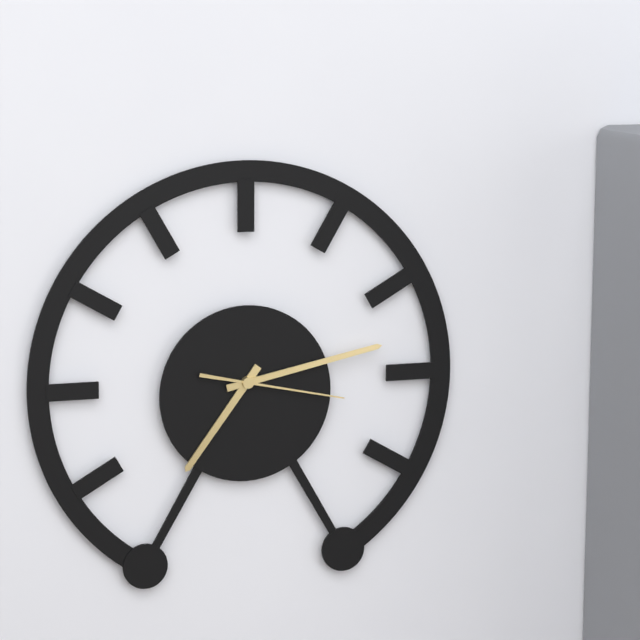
7:13:17
